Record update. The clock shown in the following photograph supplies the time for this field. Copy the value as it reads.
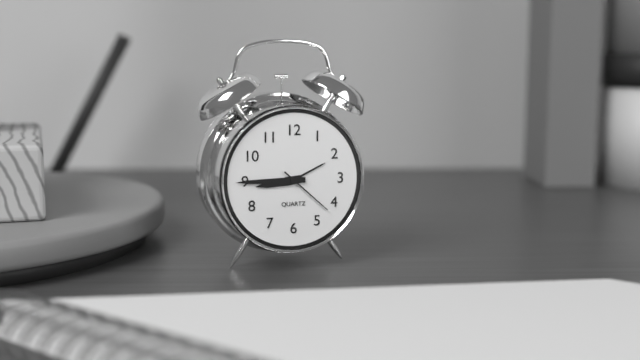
8:45:22
